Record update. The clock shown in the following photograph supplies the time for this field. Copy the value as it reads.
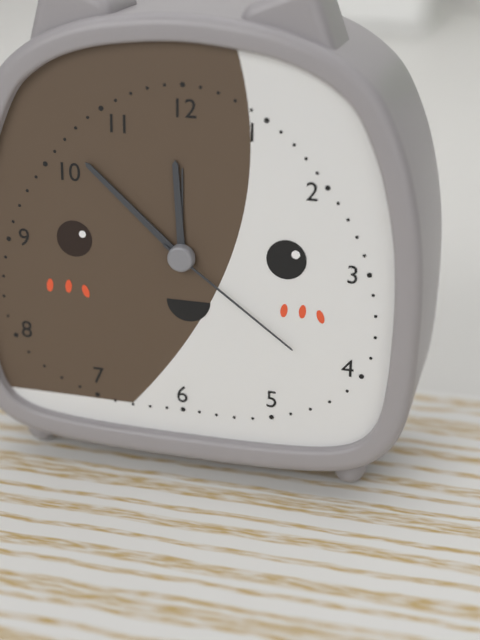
11:52:21
